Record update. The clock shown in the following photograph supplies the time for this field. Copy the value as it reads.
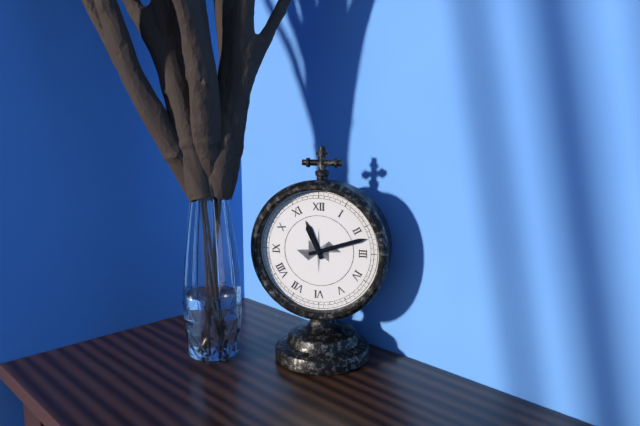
11:12
